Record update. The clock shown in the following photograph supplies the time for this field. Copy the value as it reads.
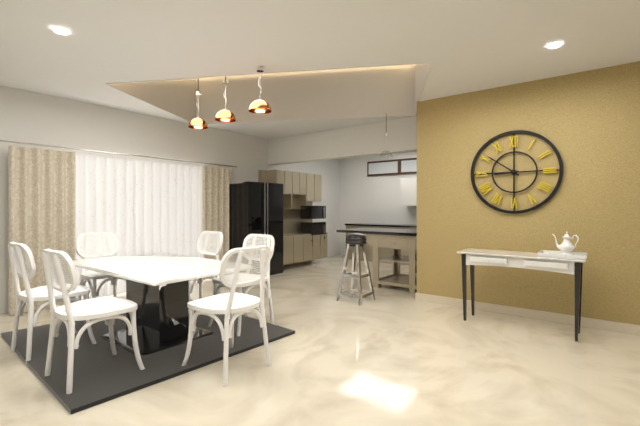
8:51
